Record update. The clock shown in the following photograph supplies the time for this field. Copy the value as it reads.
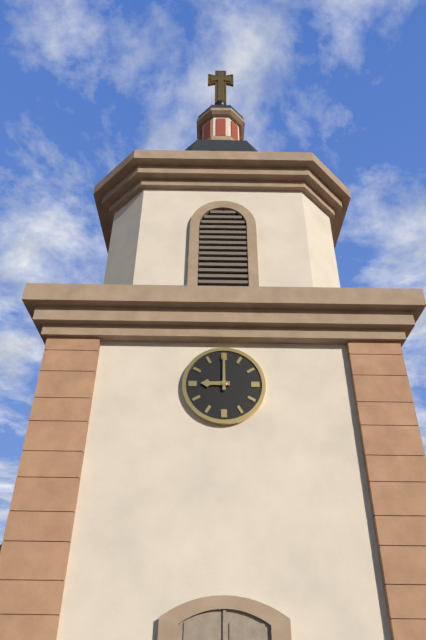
9:00
